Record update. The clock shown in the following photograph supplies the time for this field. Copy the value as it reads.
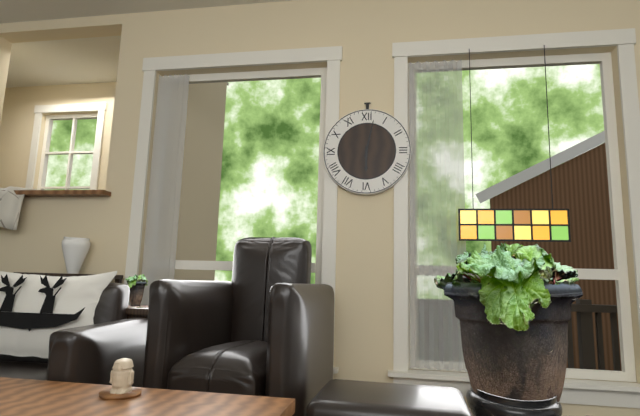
6:02
